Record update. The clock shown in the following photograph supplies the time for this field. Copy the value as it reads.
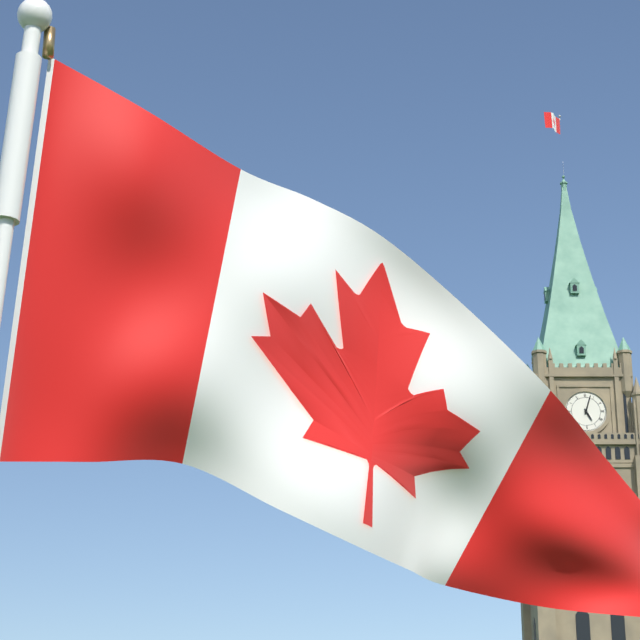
5:03
